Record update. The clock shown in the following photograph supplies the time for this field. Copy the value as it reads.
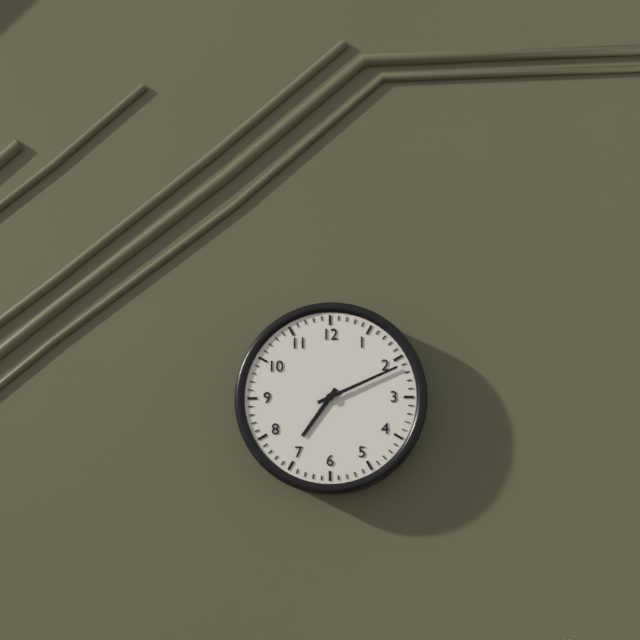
7:11
